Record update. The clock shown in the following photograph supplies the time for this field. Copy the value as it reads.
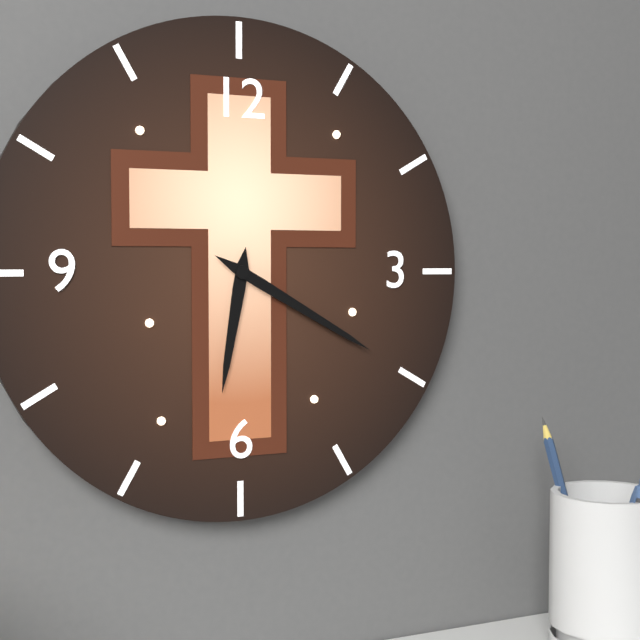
6:20
